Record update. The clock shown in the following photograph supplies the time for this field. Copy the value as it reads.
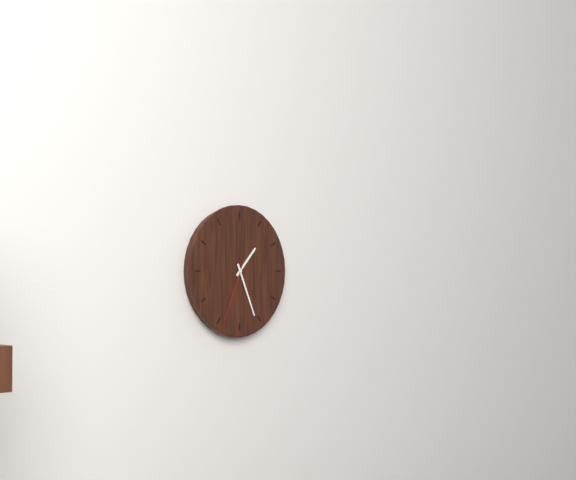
1:26:34
